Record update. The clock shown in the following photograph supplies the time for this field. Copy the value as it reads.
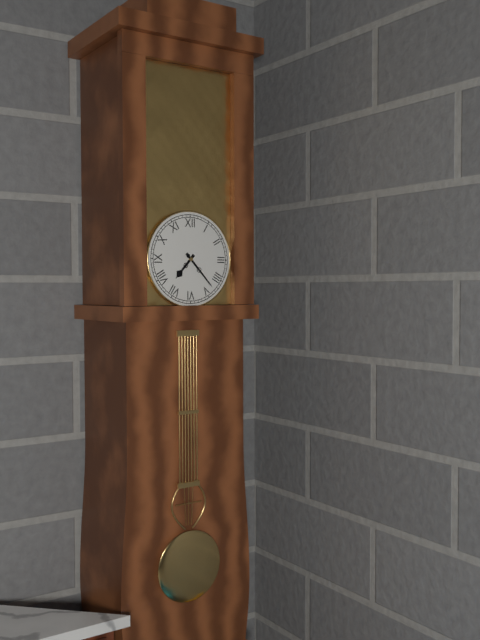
7:23
